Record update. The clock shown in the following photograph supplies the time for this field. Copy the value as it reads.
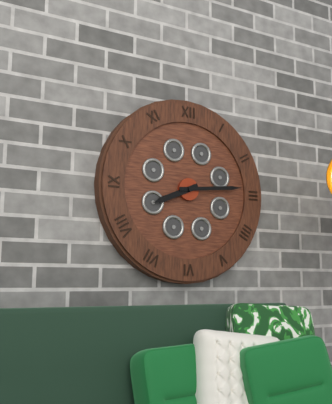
8:14
